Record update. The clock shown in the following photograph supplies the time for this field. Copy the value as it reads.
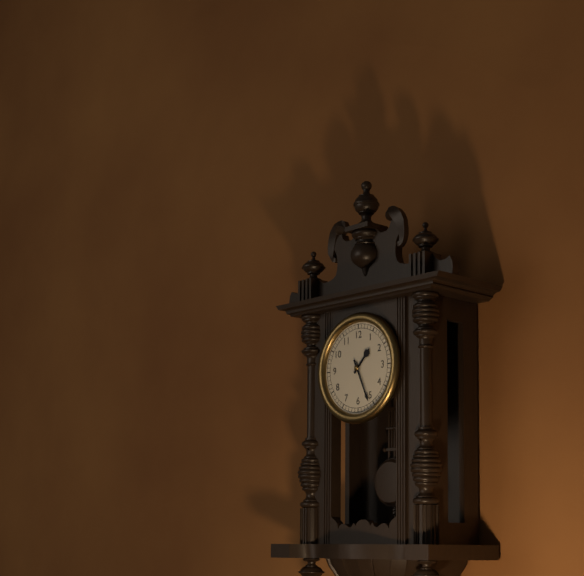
1:26
